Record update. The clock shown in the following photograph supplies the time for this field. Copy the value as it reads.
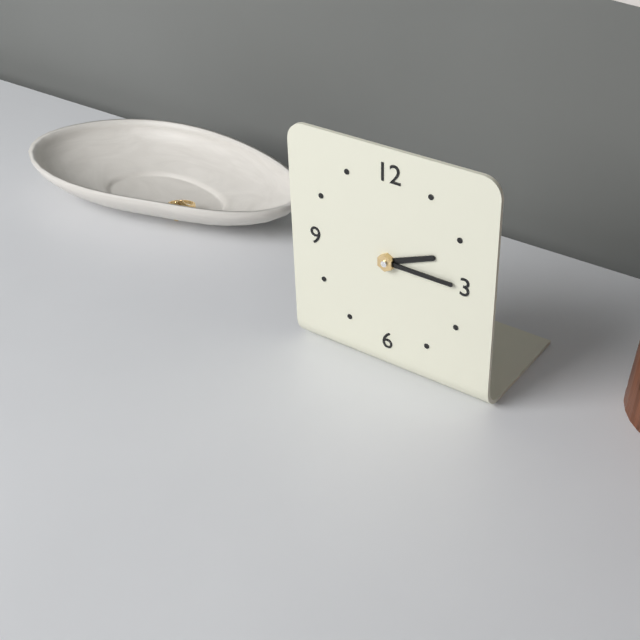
2:15
